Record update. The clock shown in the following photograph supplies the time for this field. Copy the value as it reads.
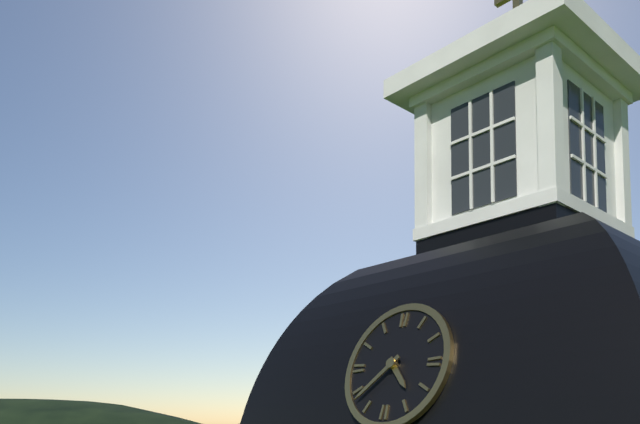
4:38
